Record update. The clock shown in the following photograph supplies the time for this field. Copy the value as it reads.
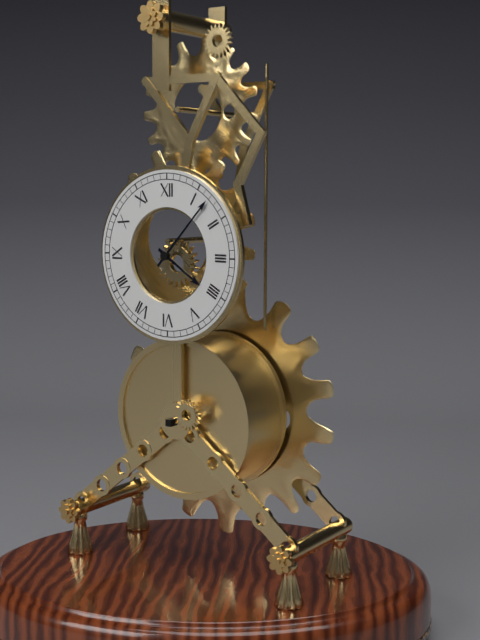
4:07
